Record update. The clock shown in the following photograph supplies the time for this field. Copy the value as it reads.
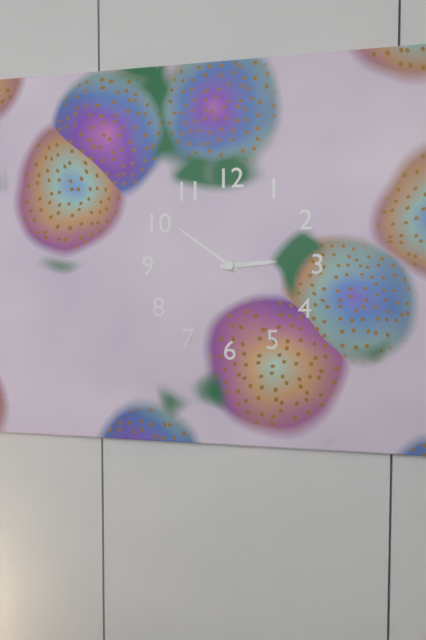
2:51
